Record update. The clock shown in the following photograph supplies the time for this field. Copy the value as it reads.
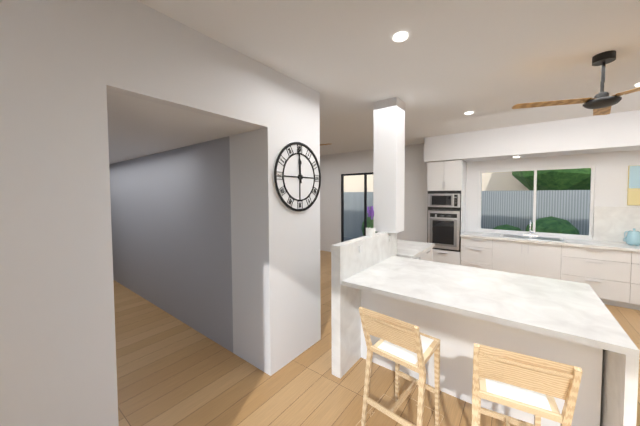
11:59
